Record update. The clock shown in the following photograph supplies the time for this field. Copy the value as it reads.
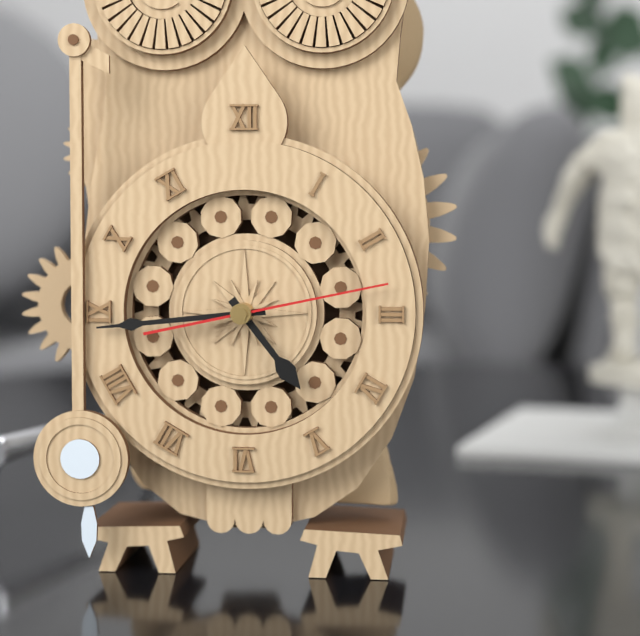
4:44:13
